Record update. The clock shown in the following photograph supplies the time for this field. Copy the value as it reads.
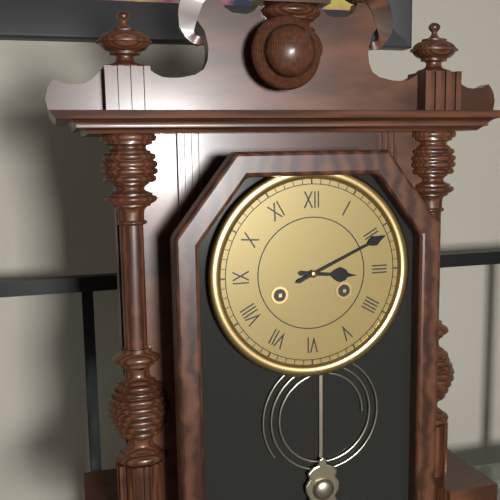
3:11
